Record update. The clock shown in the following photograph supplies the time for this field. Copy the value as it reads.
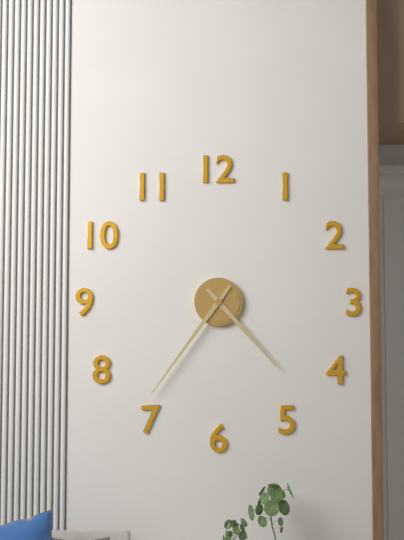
4:36
